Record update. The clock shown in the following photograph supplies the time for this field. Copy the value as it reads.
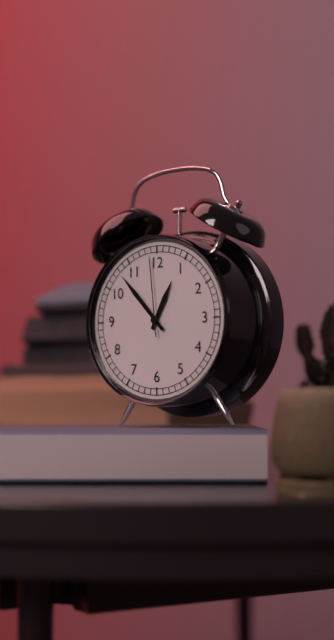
12:53:59
